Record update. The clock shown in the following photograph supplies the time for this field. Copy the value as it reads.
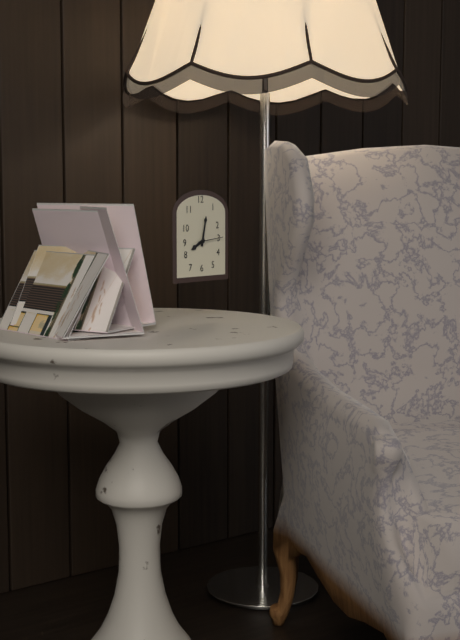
8:02
